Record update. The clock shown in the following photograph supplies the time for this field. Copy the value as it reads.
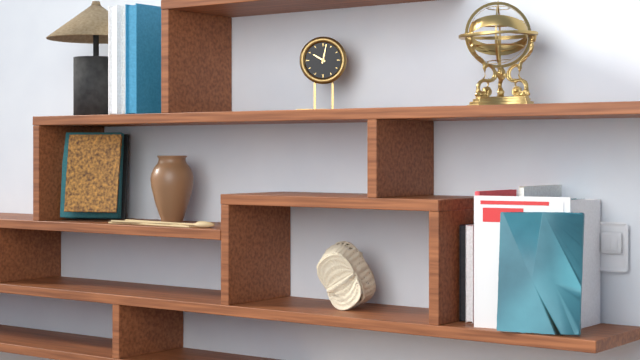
10:02
